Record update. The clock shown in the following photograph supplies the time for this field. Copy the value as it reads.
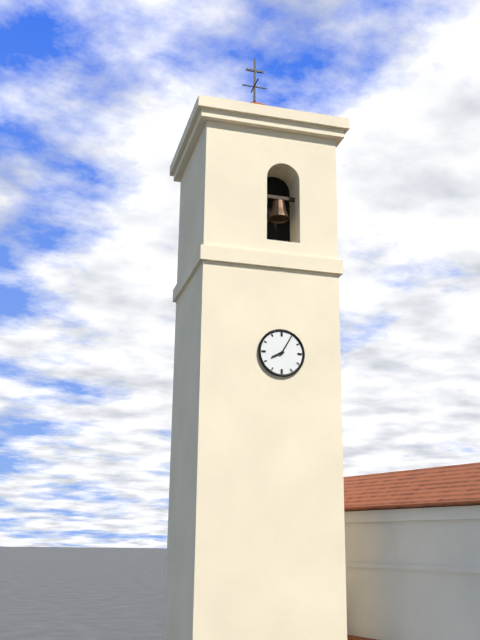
8:05
